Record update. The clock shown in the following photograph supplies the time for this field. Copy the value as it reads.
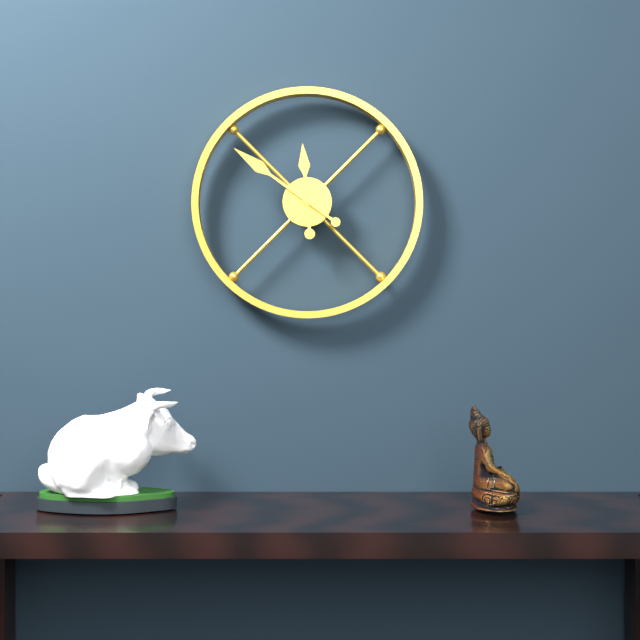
11:51
